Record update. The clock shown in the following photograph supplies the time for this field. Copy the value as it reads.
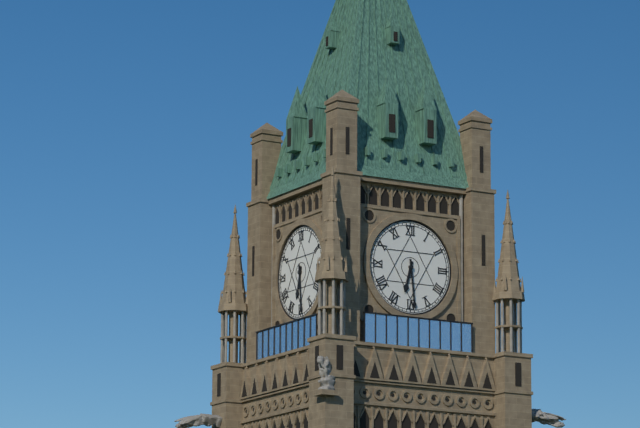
6:29
